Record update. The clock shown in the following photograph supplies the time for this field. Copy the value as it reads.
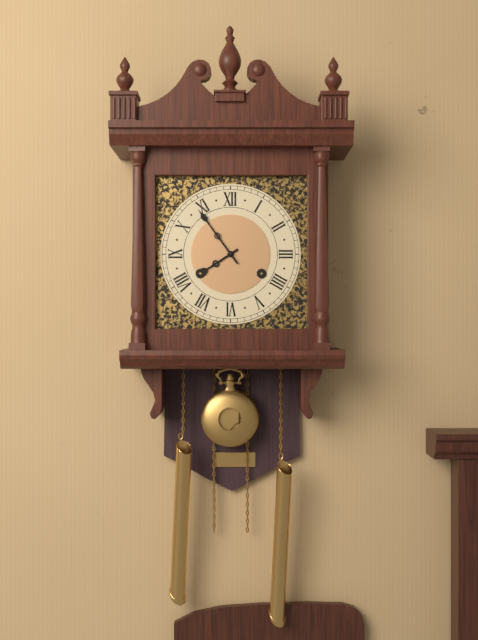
7:54
